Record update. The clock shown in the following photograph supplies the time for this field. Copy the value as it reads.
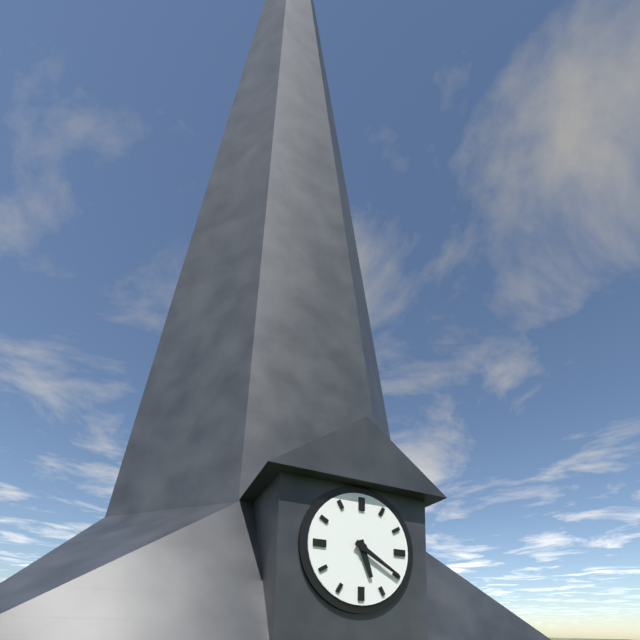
5:20
